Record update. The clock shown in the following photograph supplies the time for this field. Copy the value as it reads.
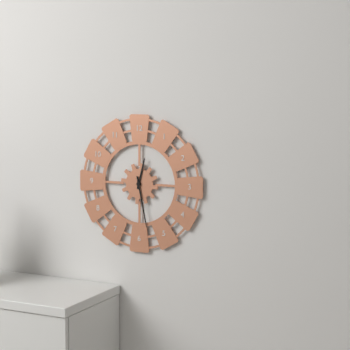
12:28
